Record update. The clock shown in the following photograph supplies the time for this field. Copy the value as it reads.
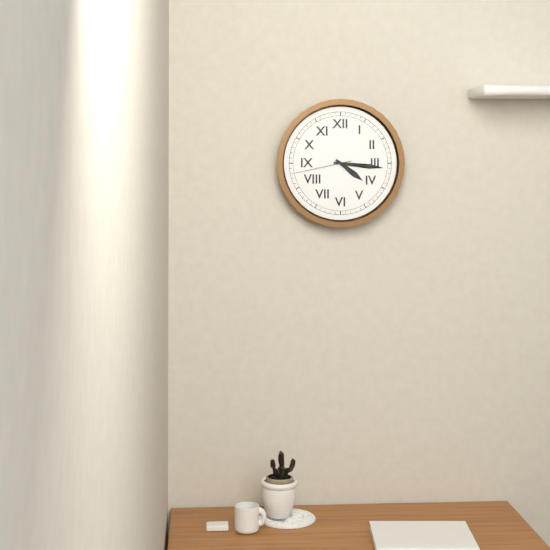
4:16:43
